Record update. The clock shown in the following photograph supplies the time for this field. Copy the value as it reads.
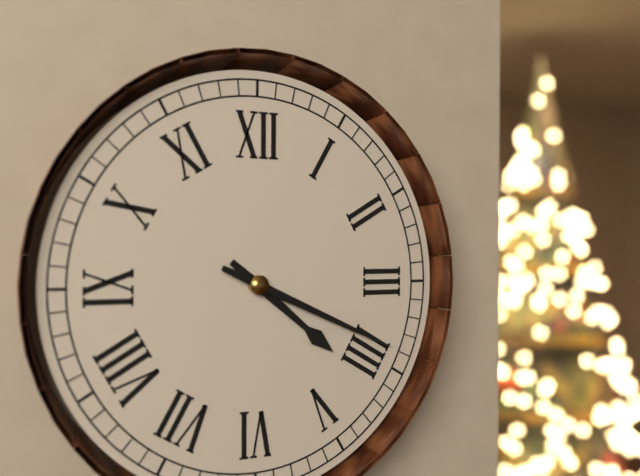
4:19
